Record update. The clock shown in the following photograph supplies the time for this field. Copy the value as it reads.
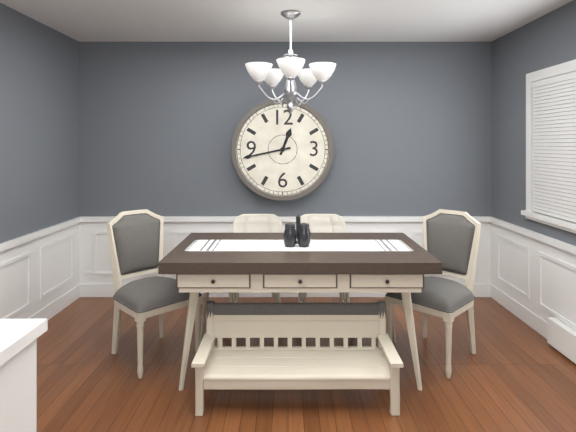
12:43
